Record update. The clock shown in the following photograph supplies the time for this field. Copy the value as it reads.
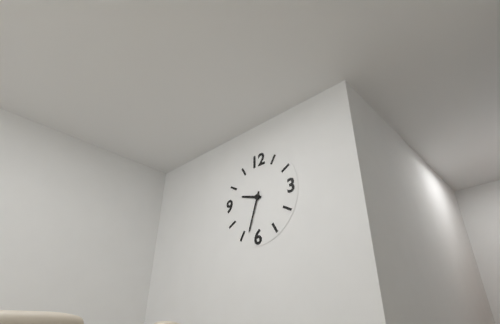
9:33
